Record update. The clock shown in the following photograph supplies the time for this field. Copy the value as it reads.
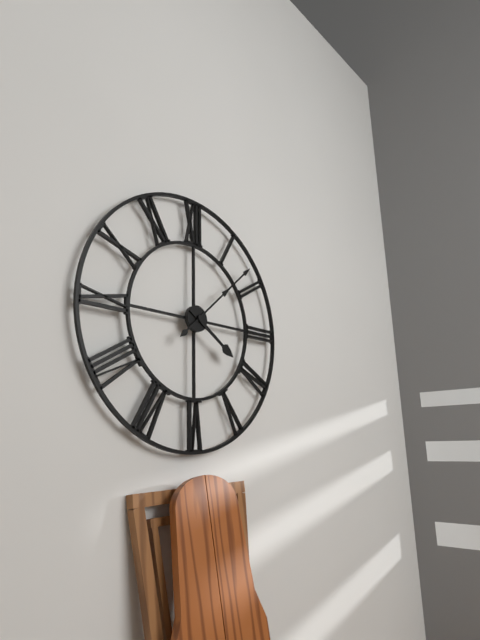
4:08
